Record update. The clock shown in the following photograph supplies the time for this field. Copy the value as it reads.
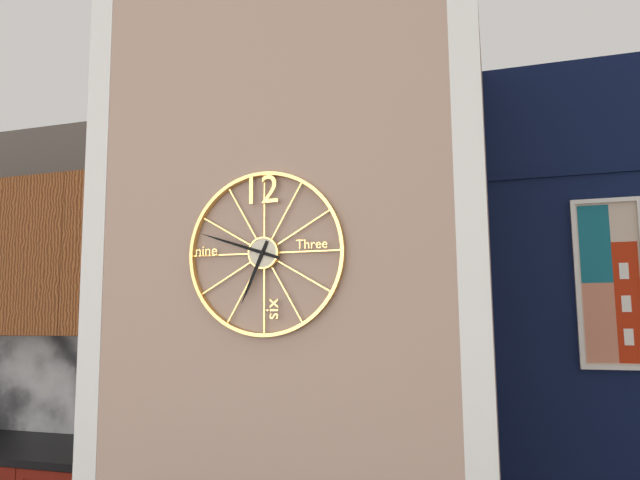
6:48
